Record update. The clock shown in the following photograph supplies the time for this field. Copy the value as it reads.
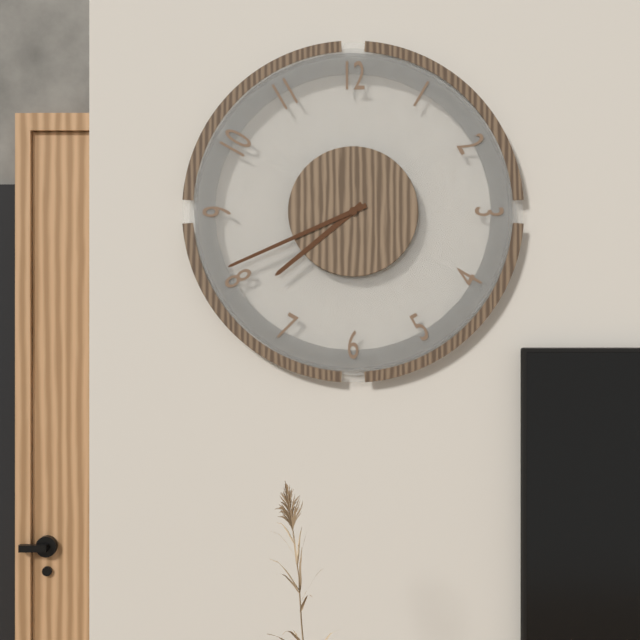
7:41
